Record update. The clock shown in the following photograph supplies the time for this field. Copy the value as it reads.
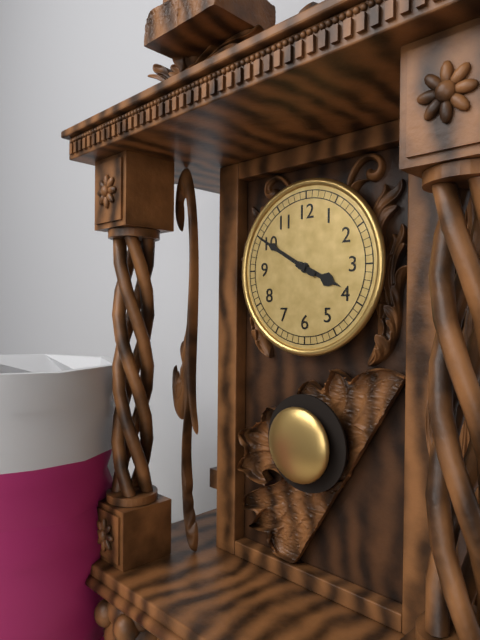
3:50
